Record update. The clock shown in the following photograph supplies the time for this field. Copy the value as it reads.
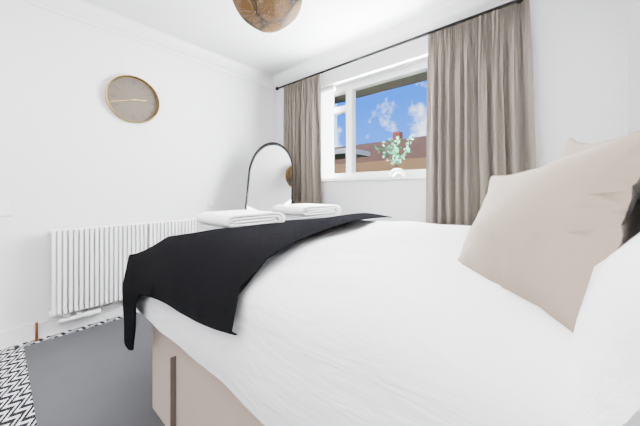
2:42
